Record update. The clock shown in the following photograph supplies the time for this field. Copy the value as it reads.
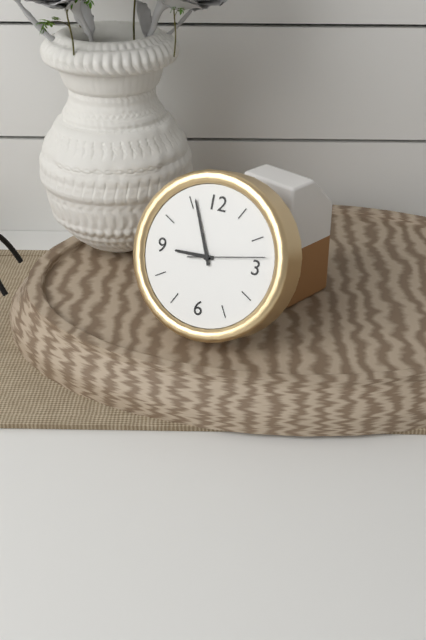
8:56:13
